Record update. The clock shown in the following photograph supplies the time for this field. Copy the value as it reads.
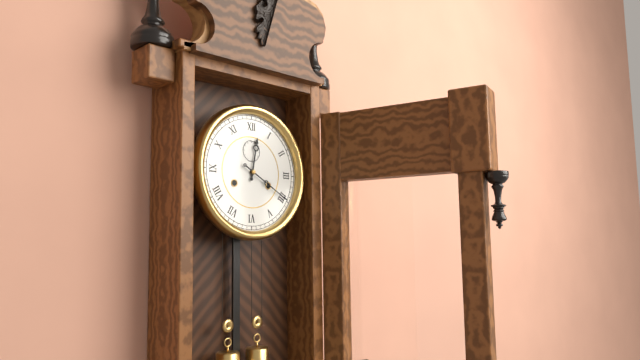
12:20
